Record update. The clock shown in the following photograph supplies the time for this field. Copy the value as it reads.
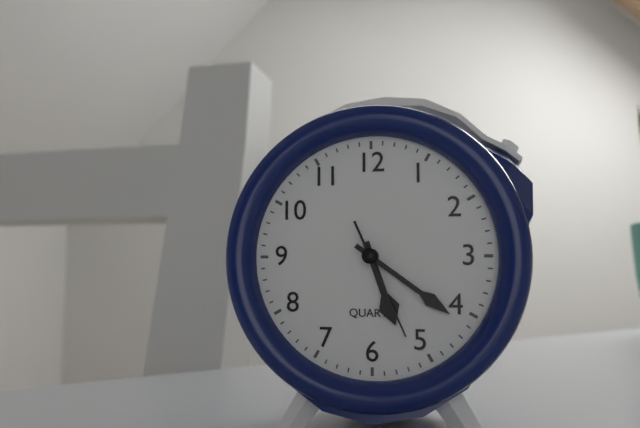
5:21:26
